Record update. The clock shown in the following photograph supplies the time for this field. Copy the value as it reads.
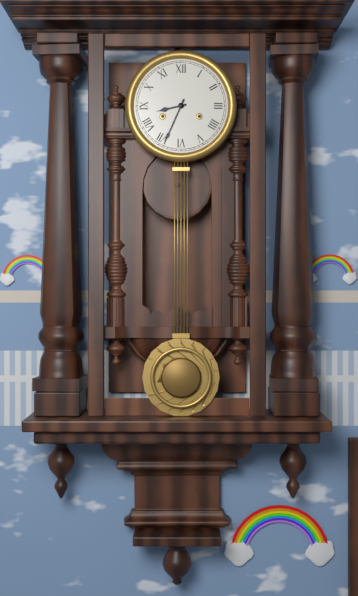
8:34
